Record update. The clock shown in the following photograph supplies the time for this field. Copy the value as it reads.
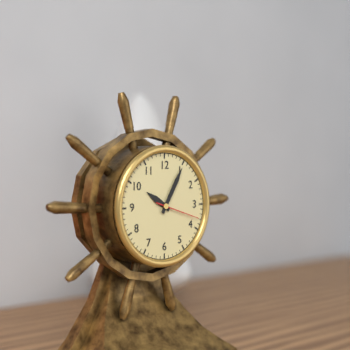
10:05
